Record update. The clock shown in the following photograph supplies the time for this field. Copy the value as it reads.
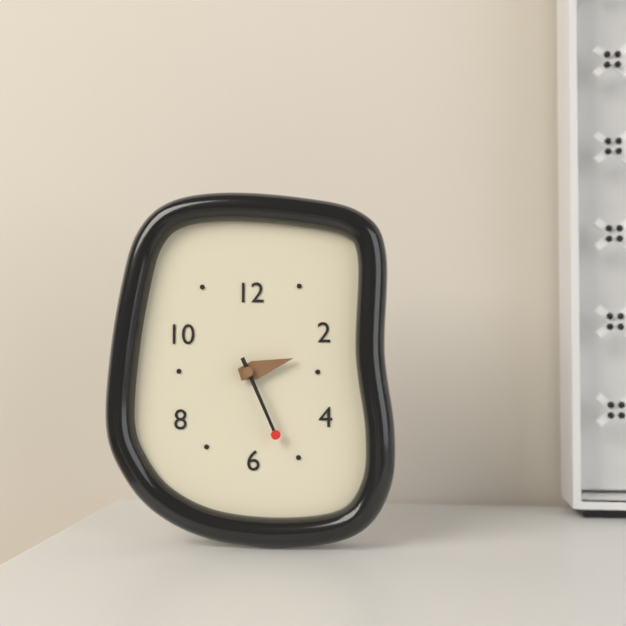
2:26
